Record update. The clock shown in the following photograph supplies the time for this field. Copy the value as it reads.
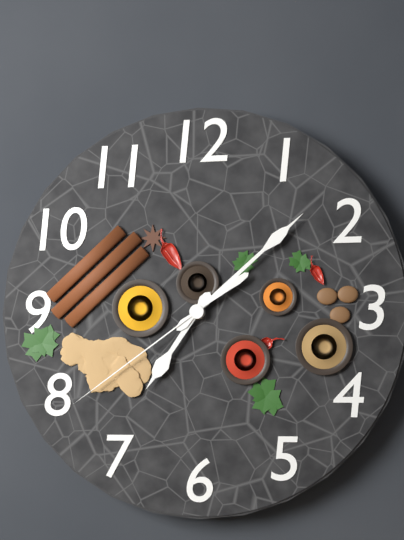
7:08:39
